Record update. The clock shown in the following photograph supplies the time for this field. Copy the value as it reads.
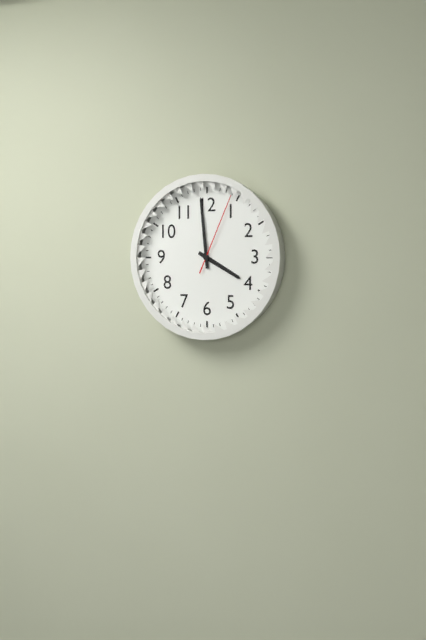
3:59:04
